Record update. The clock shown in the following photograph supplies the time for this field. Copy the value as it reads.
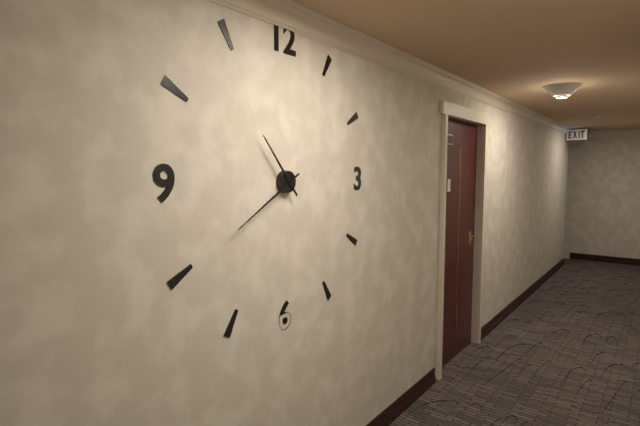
10:40
